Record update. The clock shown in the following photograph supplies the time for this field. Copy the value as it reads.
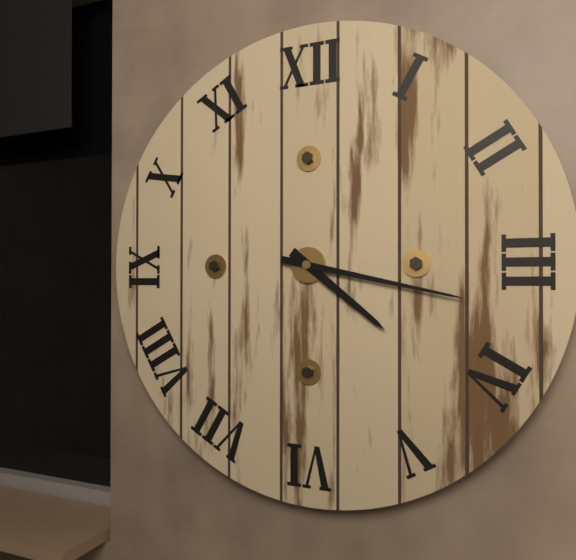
4:17
